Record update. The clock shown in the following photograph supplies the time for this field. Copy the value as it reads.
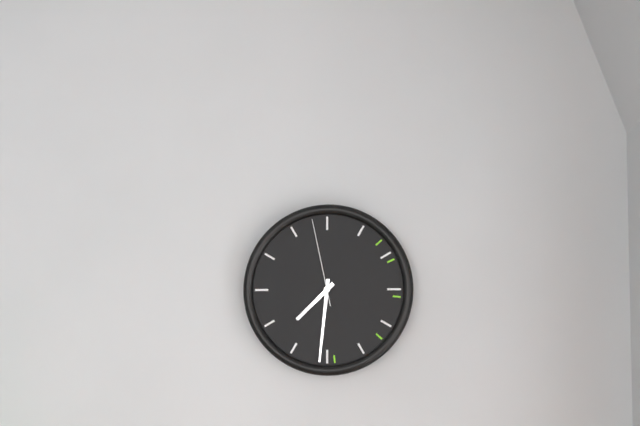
7:31:58
